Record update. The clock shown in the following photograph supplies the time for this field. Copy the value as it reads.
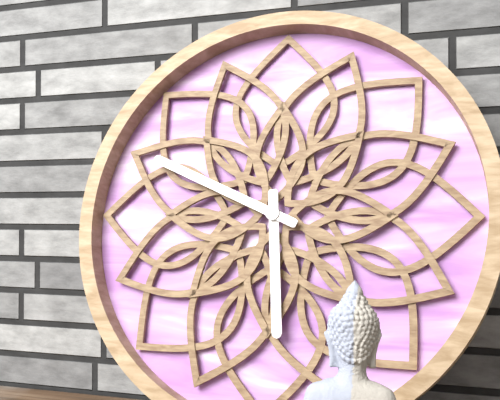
5:49
